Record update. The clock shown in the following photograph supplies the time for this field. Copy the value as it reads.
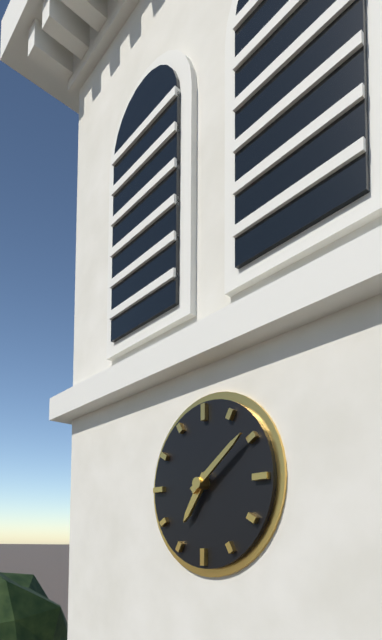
7:09
